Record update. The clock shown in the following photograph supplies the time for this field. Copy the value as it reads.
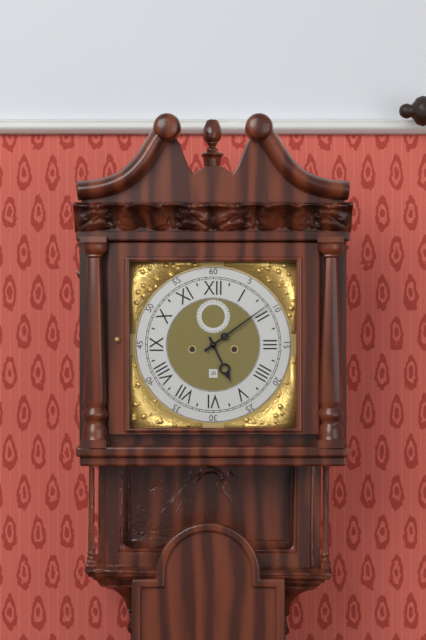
5:09
